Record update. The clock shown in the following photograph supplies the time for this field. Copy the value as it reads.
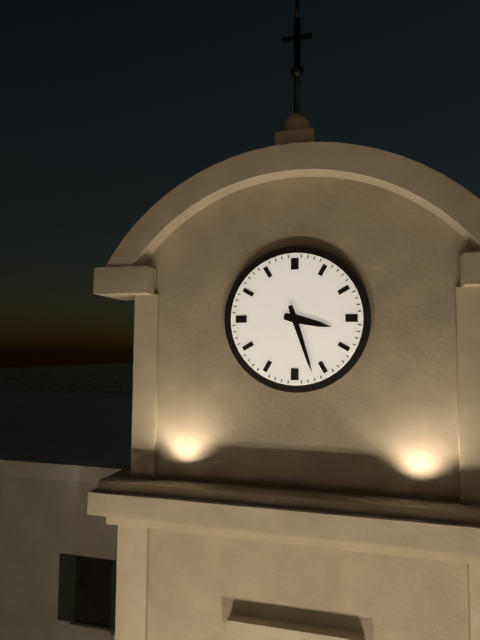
3:27
